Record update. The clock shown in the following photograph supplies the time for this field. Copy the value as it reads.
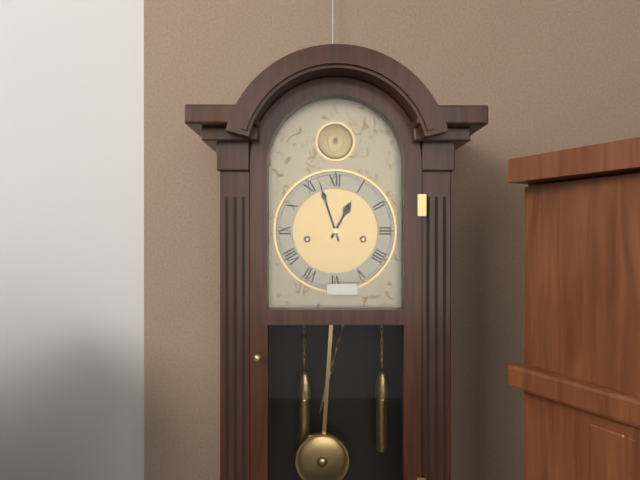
12:57
